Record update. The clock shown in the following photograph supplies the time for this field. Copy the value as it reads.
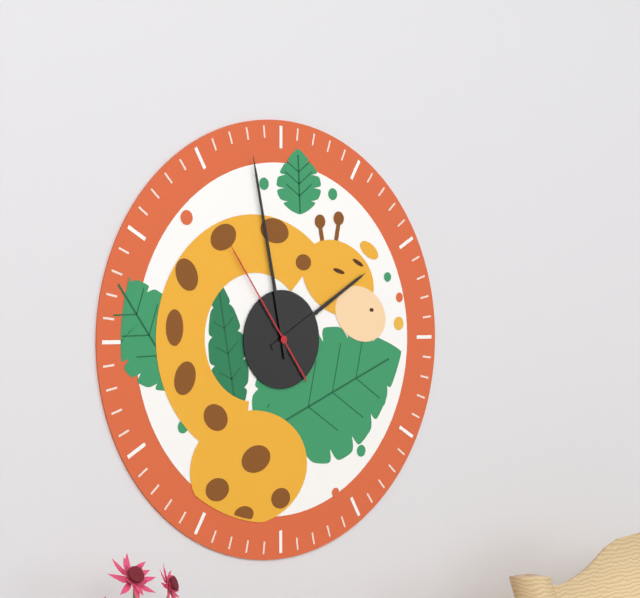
1:58:54
